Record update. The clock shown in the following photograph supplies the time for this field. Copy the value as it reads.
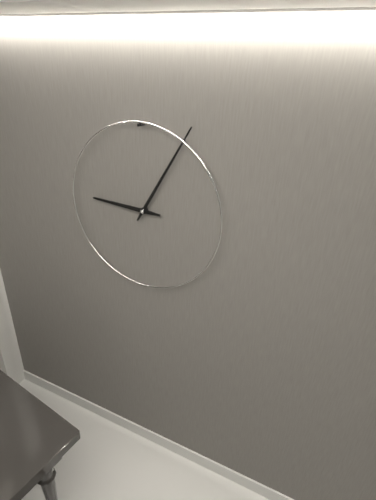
9:05
